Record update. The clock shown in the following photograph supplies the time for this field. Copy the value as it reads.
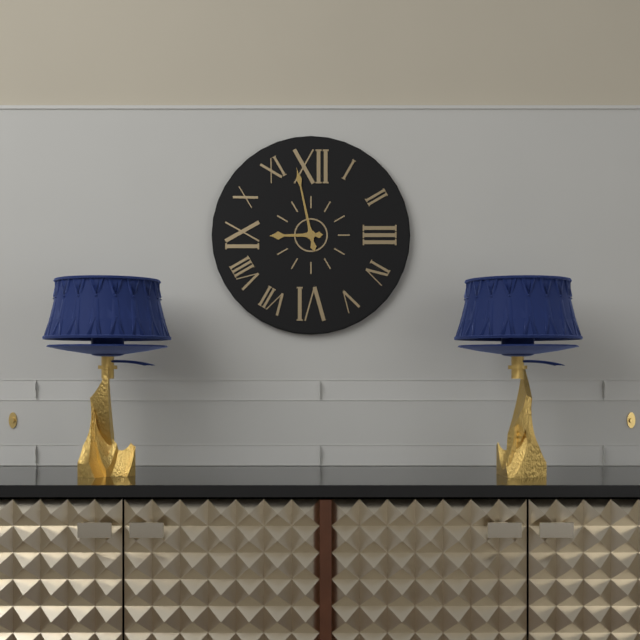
8:58
